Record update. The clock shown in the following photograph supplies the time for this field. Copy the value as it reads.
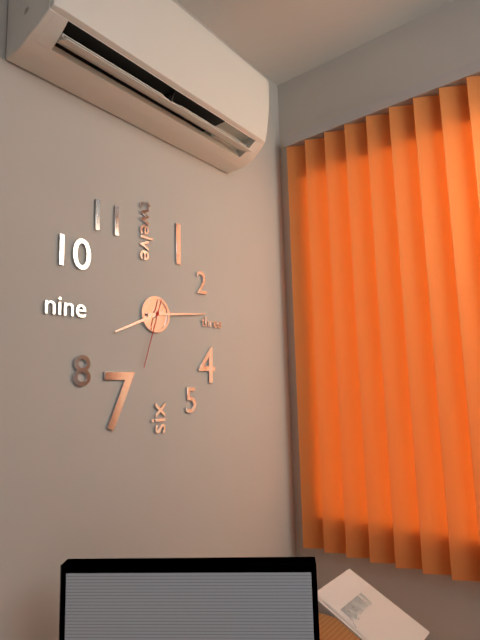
8:14:33
